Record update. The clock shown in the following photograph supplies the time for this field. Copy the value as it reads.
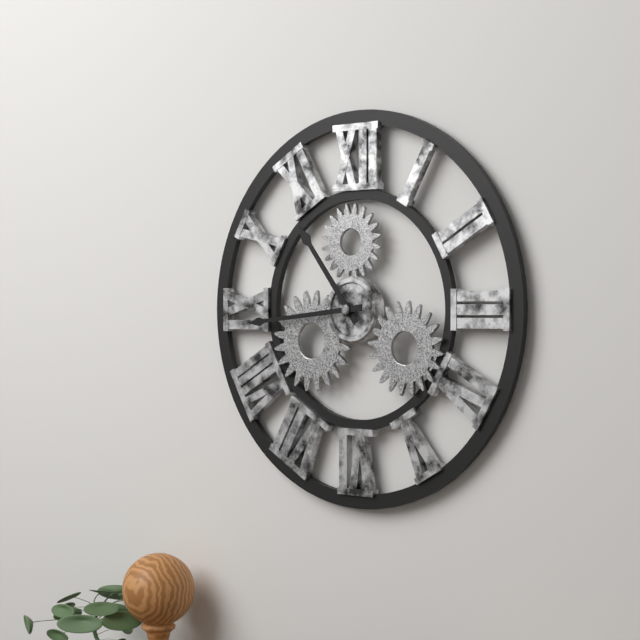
10:44
